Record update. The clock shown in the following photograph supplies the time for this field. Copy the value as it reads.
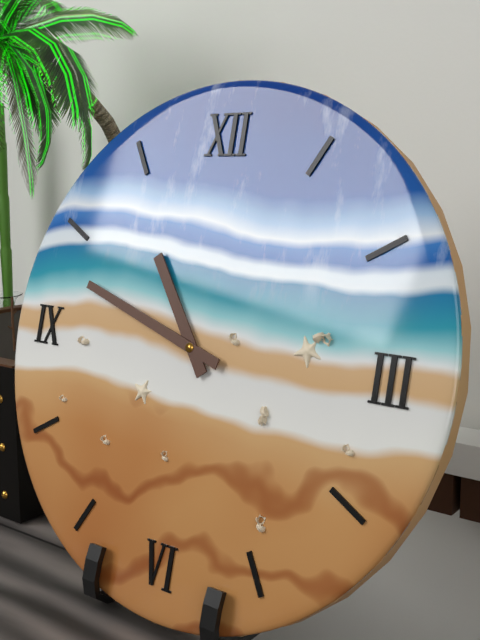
10:48
